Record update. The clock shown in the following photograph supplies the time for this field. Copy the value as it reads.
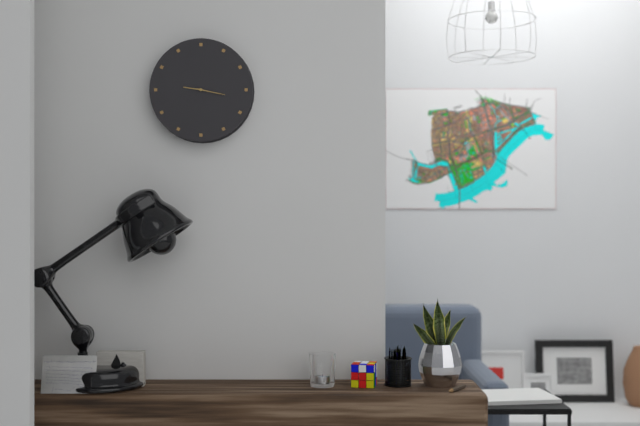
9:17
